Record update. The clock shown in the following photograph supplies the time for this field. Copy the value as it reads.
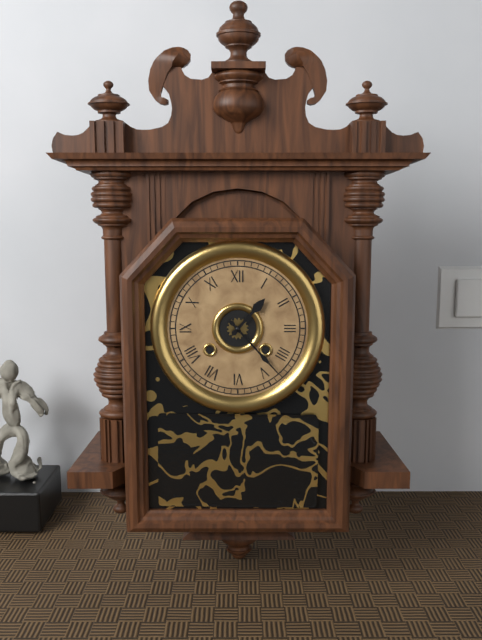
1:23
